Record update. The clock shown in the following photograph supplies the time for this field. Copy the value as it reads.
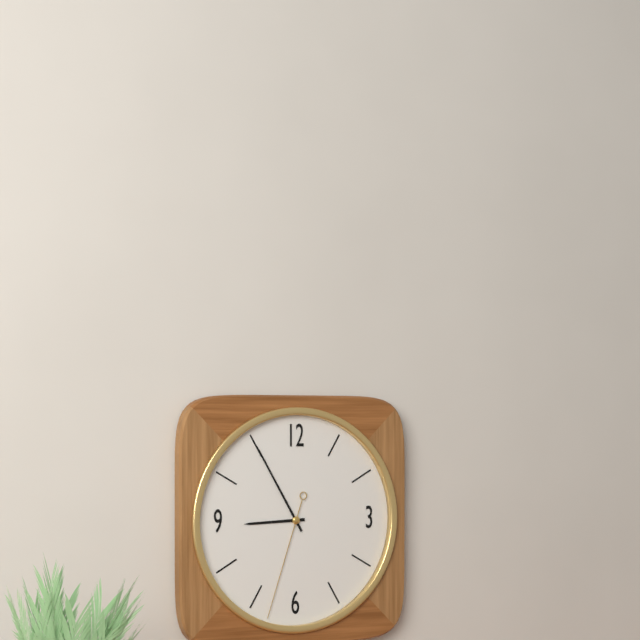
8:55:33
